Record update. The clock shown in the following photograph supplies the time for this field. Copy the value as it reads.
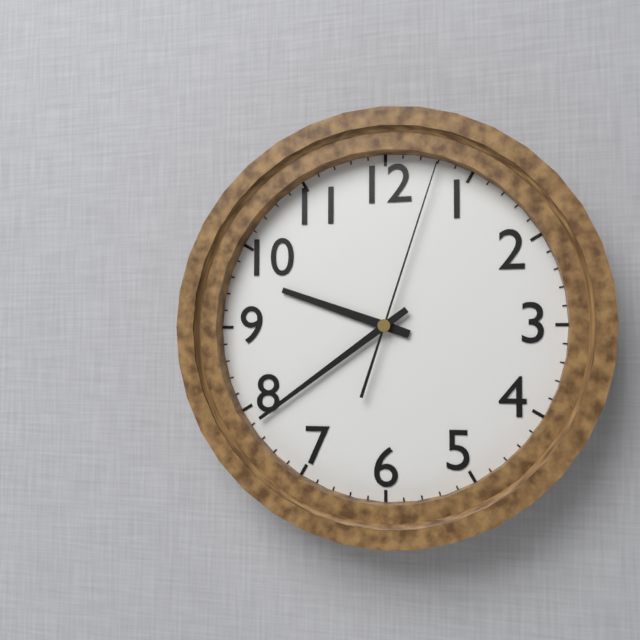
9:39:03
